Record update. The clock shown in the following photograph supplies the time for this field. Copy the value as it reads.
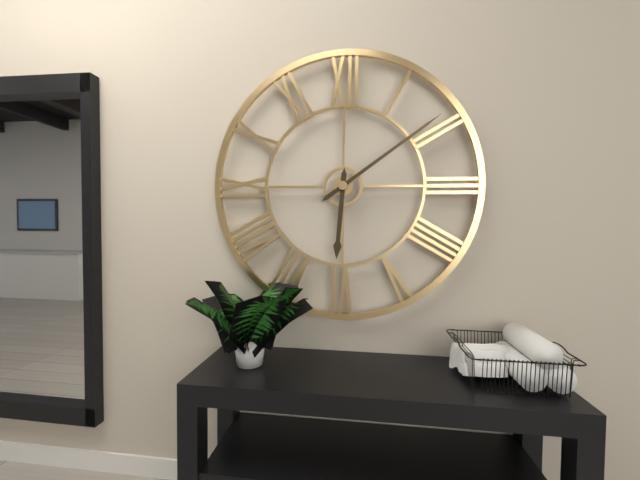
6:09
